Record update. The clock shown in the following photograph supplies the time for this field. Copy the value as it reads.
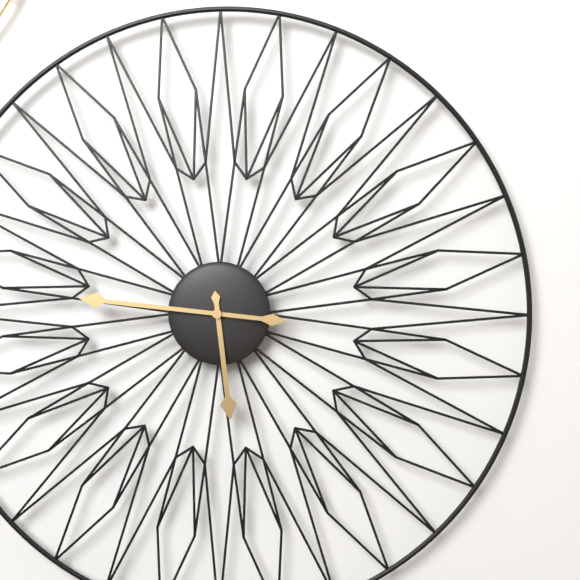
5:46
